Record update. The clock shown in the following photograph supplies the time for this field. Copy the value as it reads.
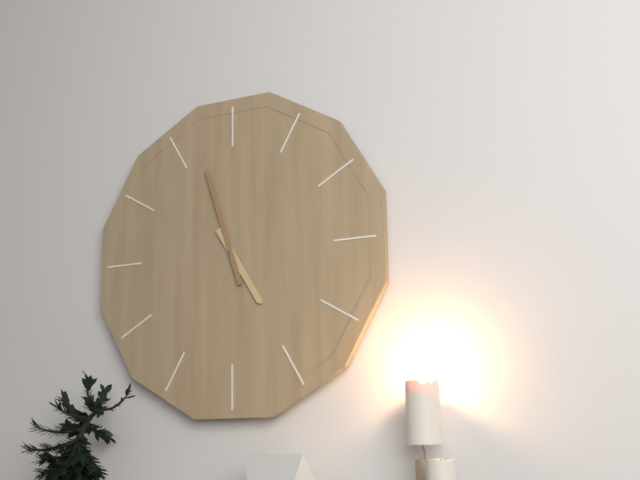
4:57
